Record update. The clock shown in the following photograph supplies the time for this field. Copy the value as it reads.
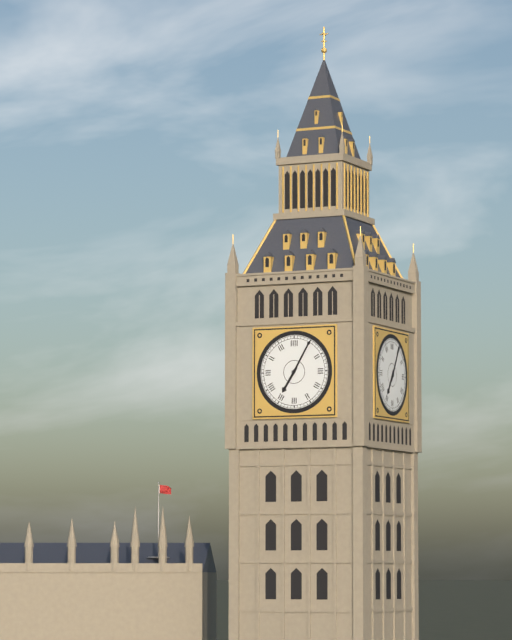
7:05
